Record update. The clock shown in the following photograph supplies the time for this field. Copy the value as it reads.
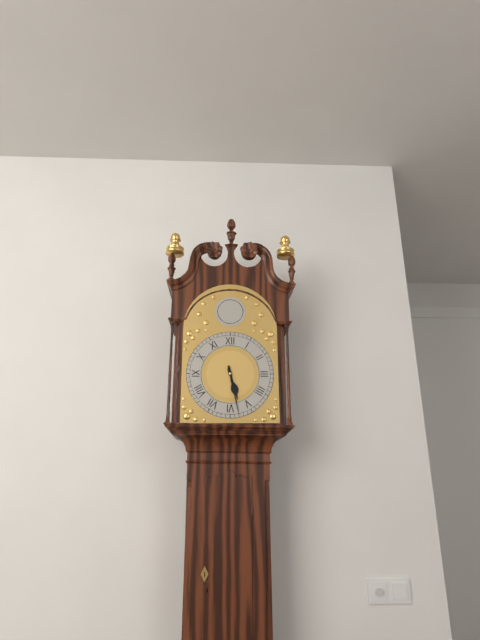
5:28
